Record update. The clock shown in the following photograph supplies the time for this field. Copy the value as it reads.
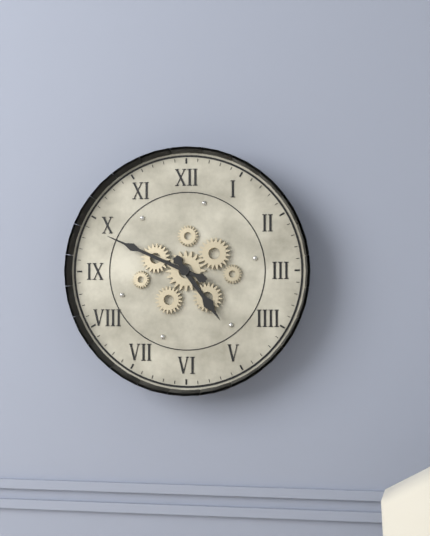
4:49
